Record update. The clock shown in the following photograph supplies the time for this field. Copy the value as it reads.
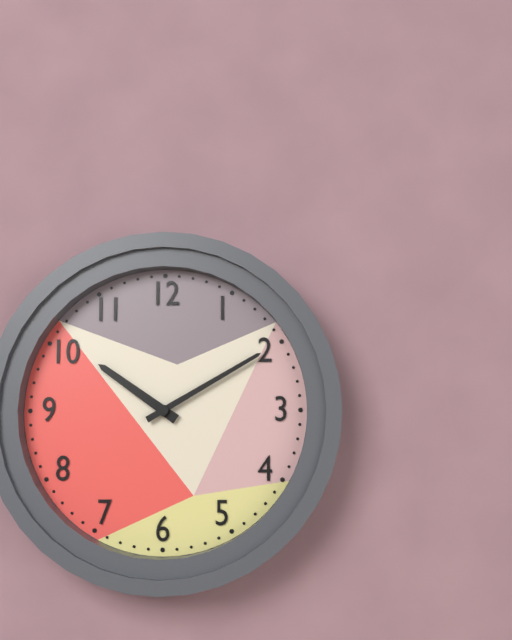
10:10
